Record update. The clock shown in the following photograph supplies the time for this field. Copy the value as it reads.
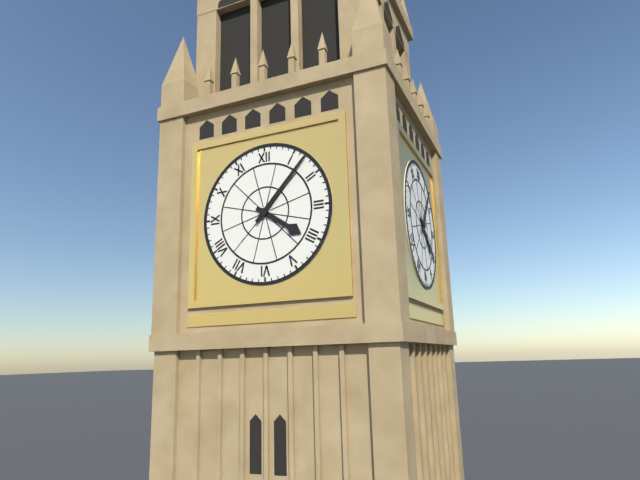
4:07
